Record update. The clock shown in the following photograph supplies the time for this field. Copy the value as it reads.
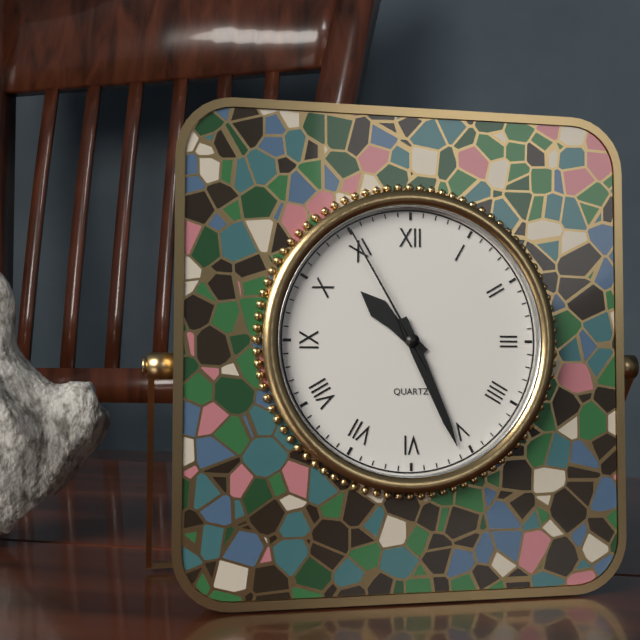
10:26:55
